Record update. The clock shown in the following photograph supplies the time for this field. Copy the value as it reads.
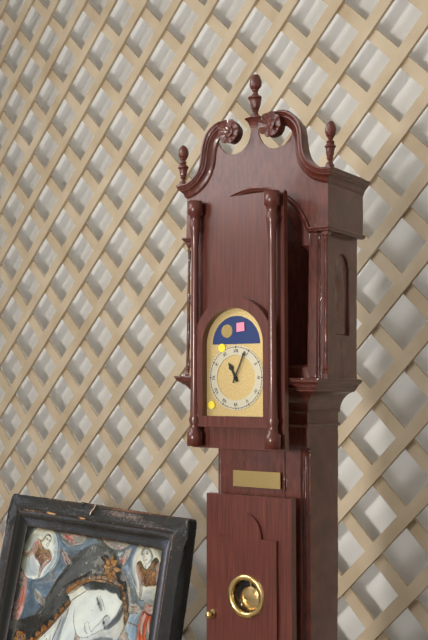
11:04
